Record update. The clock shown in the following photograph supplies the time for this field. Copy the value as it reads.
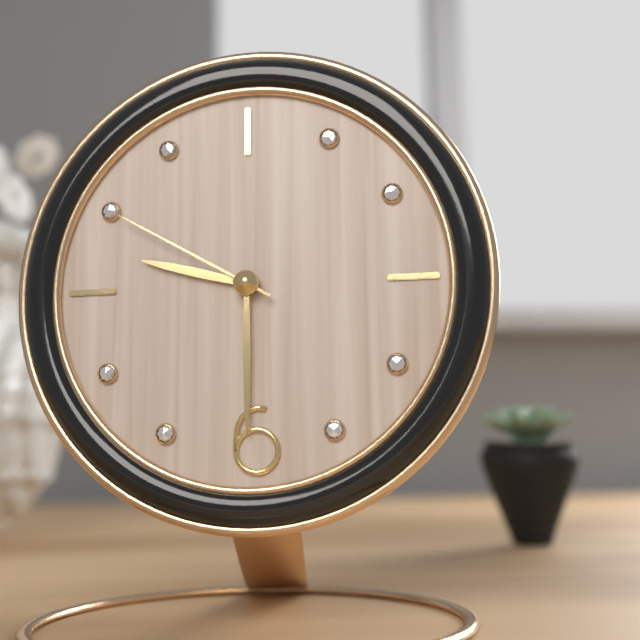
9:30:50
